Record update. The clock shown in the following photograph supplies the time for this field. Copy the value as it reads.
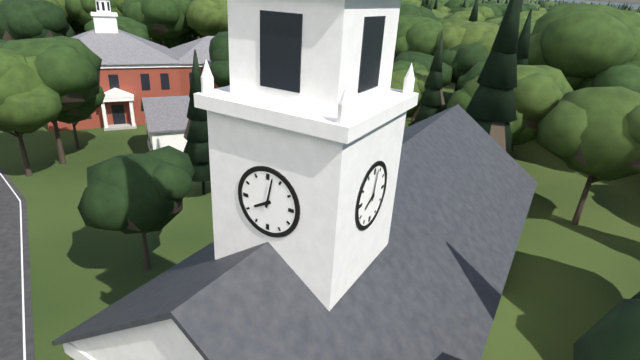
8:02
